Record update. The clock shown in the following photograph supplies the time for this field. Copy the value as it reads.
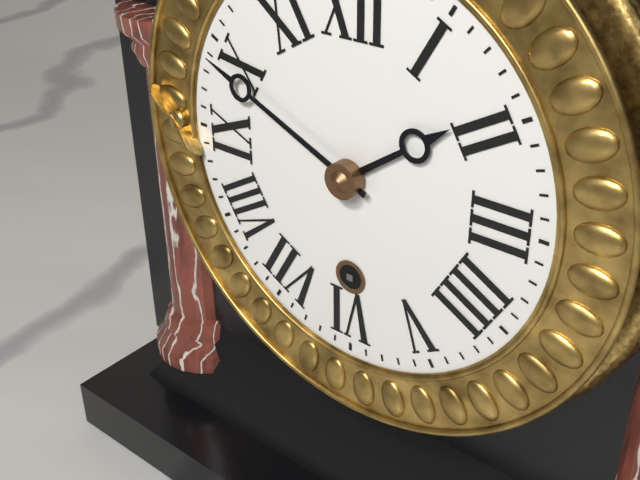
1:49
